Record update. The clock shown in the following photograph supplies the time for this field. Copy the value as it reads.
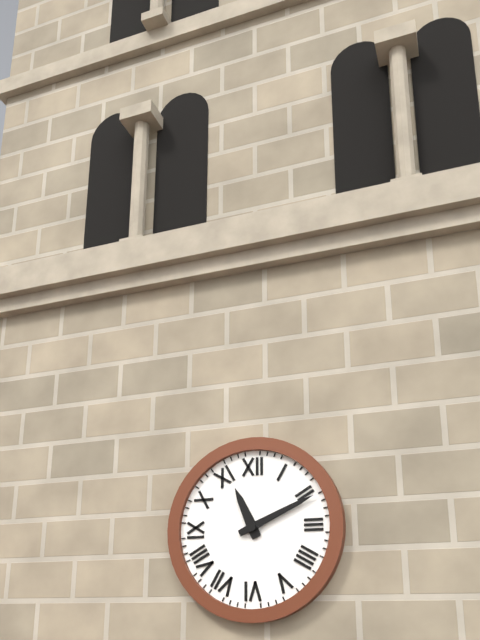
11:11
